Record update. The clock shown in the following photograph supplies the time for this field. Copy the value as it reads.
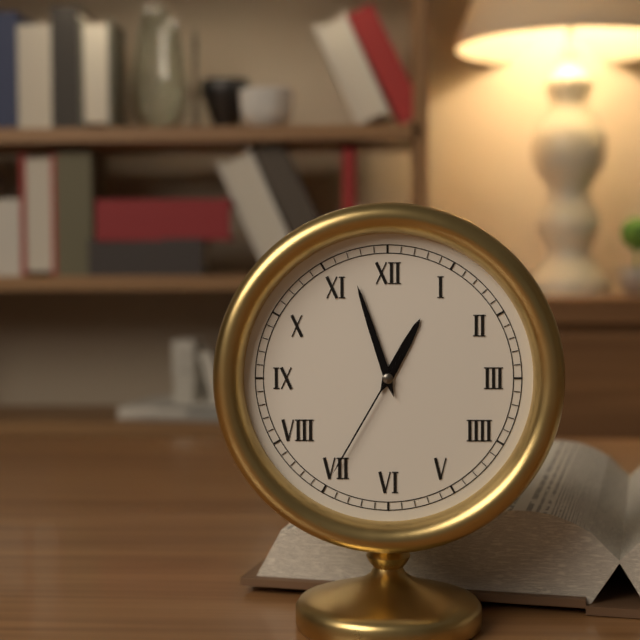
12:57:35
